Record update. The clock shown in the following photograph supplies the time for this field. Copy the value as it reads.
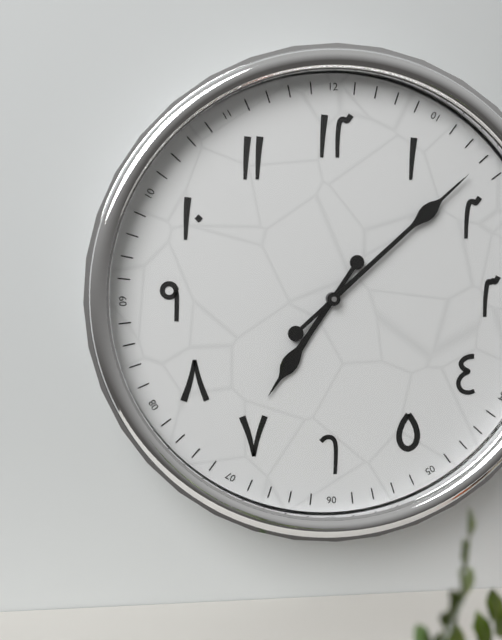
7:08
